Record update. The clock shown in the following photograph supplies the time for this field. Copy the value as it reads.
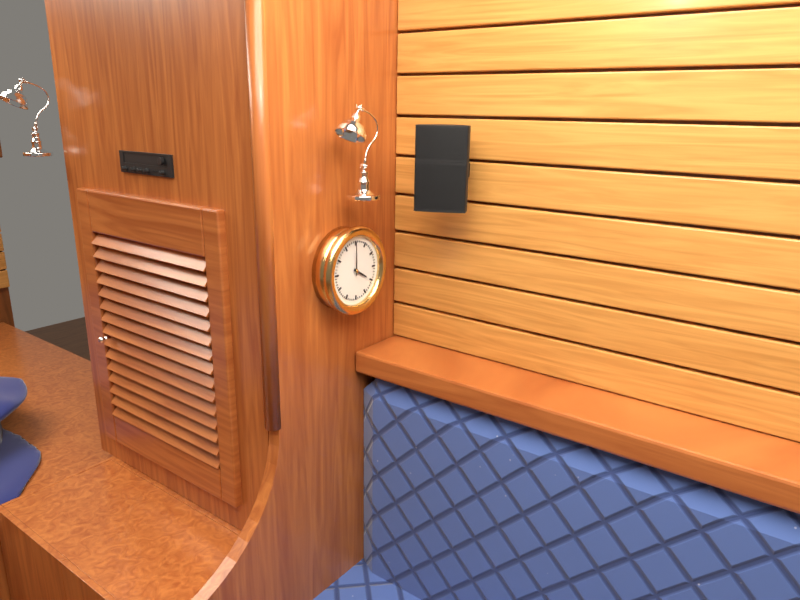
4:00
